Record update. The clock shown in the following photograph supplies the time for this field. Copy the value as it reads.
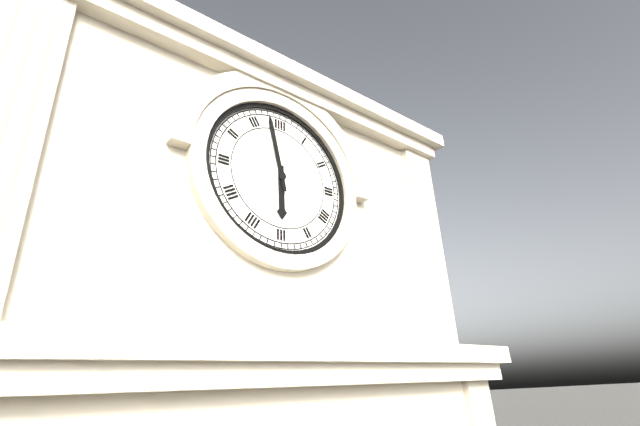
5:58
